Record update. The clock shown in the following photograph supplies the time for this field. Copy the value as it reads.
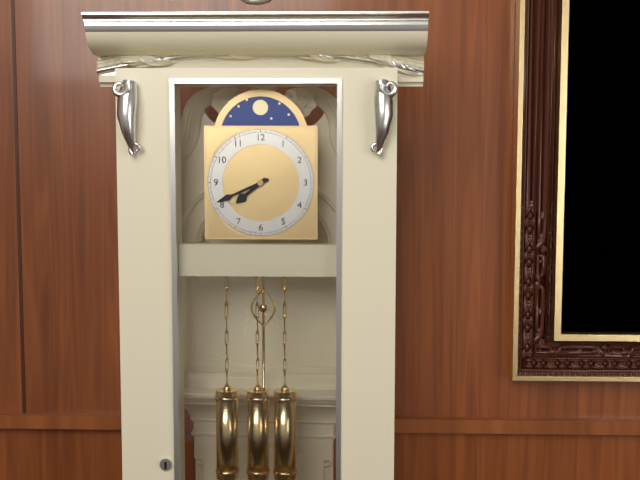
7:41
